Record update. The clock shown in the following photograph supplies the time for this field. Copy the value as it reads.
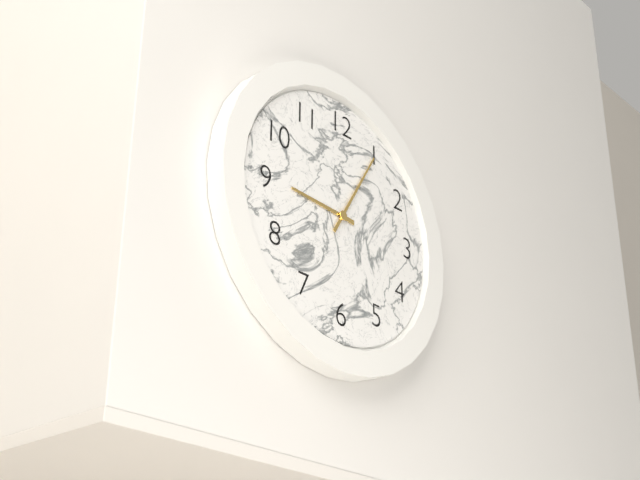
9:05
